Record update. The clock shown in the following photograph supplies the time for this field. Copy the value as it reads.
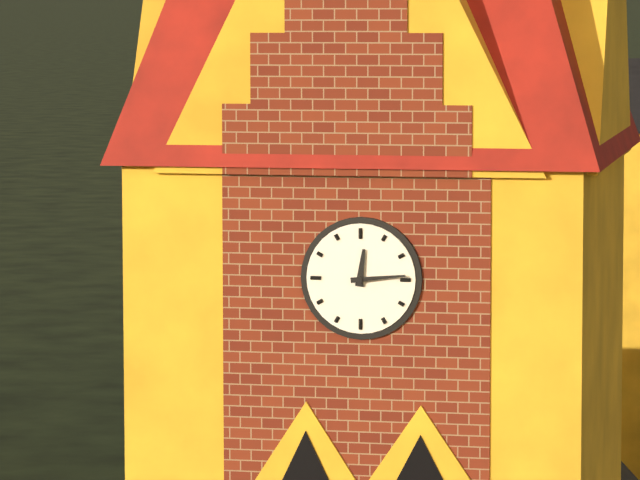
12:14
